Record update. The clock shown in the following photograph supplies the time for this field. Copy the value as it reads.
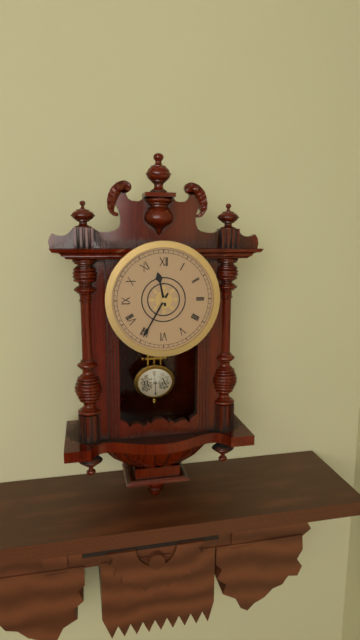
11:35
